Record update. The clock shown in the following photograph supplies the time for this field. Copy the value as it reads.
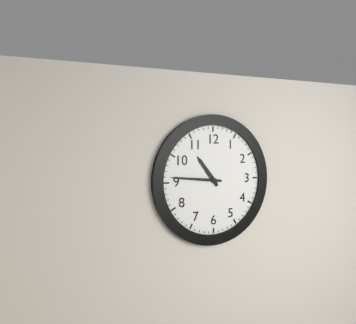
10:46
